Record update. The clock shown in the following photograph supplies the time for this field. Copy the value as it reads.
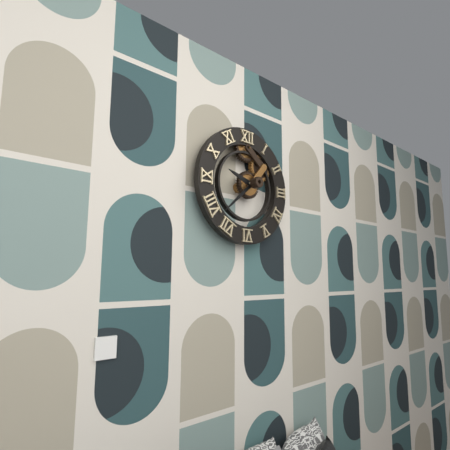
9:38
